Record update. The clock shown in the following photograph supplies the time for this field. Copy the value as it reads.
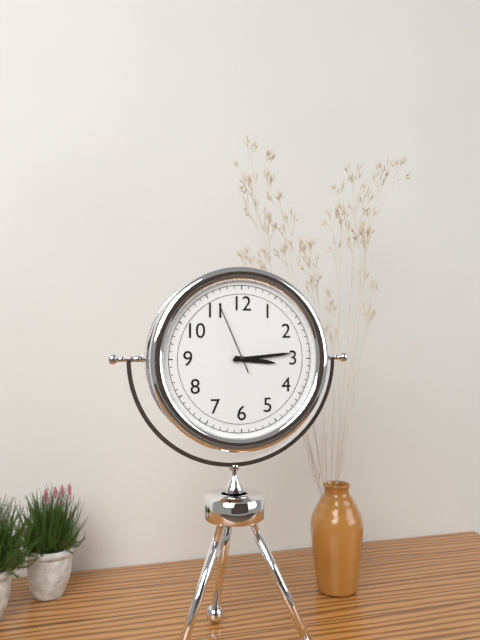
3:14:56
